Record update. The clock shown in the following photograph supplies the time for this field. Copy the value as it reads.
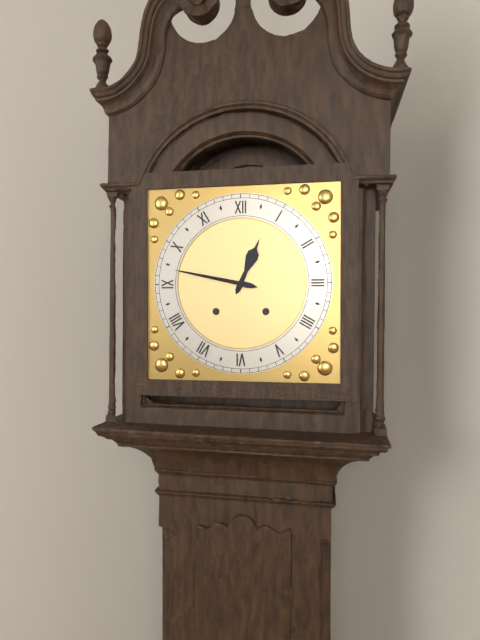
12:47
